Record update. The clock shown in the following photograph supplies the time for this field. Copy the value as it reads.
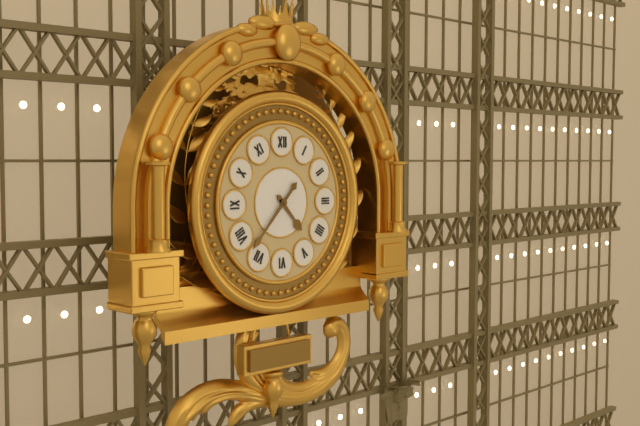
4:37
